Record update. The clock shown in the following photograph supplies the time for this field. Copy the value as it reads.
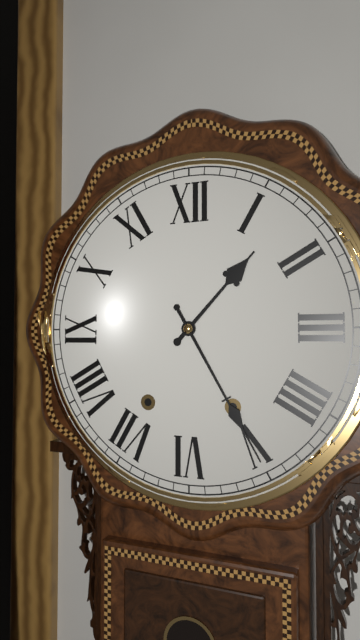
1:25
